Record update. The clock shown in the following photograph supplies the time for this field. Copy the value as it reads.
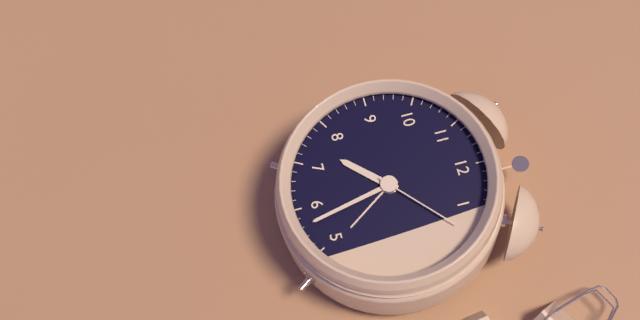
7:28:08
